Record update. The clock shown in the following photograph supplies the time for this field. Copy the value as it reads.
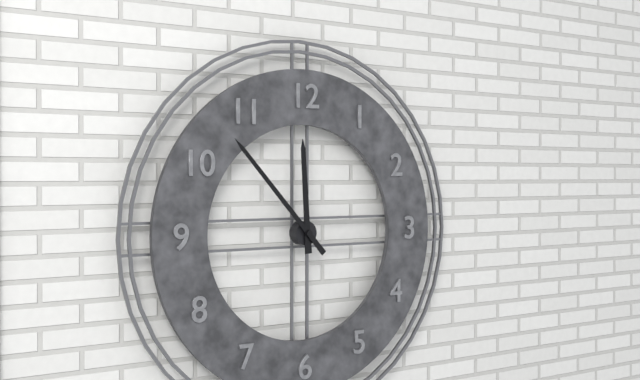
11:53
